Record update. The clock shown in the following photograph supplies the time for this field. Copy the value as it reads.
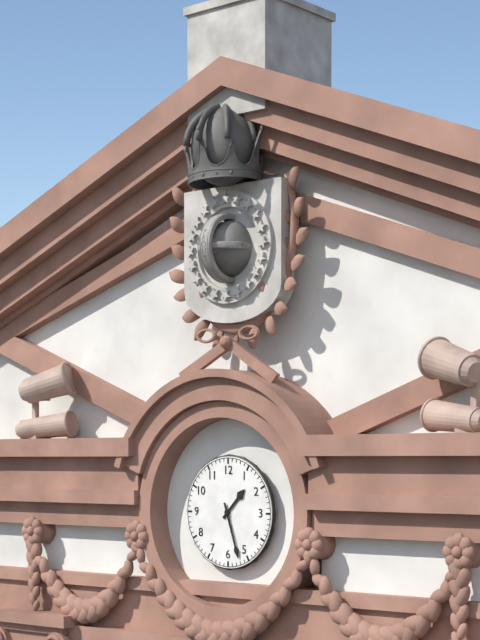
1:27
